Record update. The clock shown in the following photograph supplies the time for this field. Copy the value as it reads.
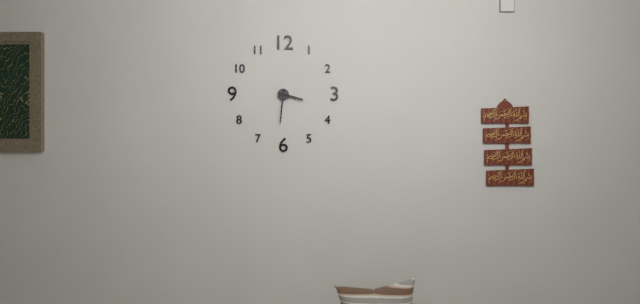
3:31
